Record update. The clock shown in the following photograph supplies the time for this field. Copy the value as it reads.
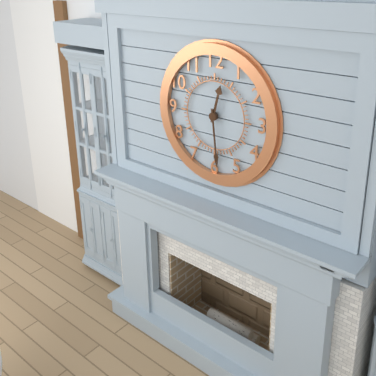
12:29
